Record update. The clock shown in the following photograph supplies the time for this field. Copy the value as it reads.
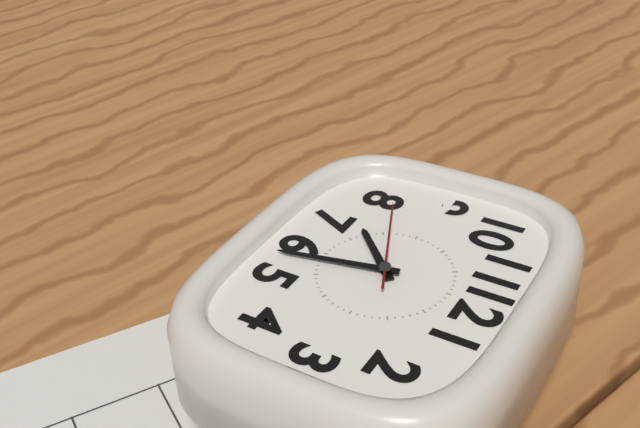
7:28:41
